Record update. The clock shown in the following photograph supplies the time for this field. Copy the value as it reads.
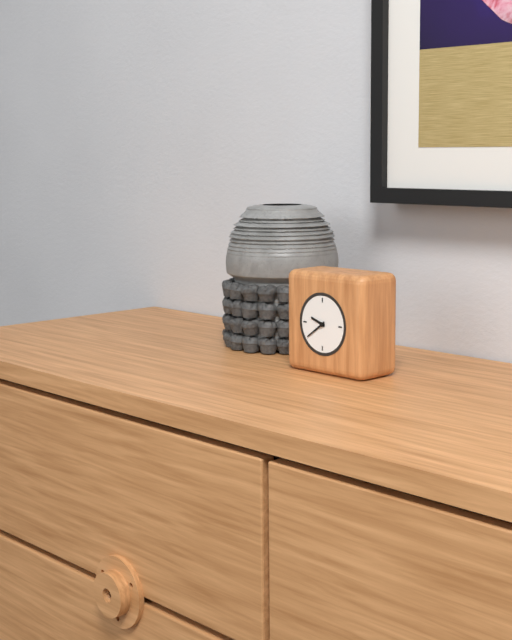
9:39
